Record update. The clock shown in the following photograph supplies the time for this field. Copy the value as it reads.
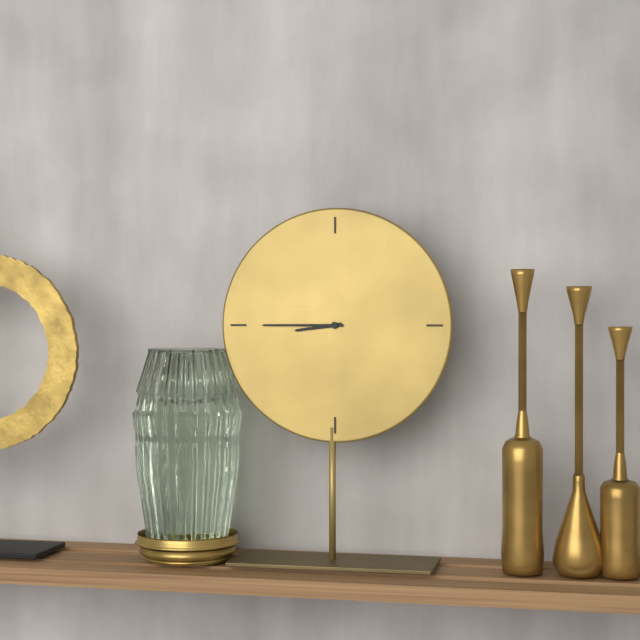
8:45
